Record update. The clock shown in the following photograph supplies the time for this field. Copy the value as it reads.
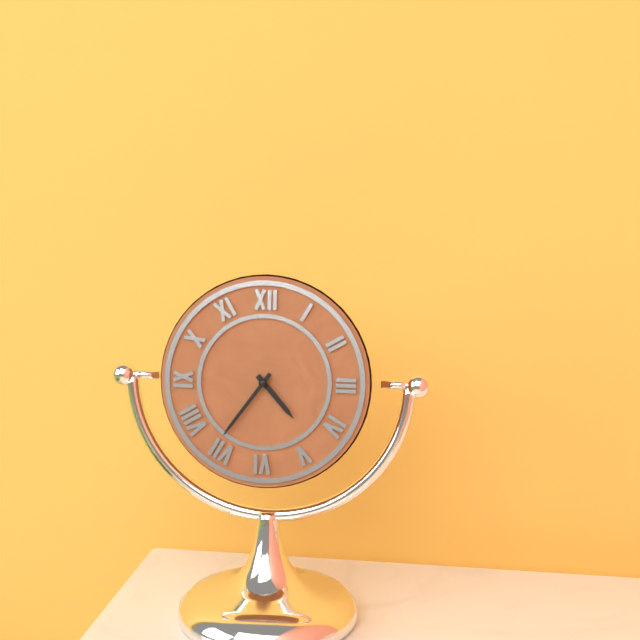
4:36
